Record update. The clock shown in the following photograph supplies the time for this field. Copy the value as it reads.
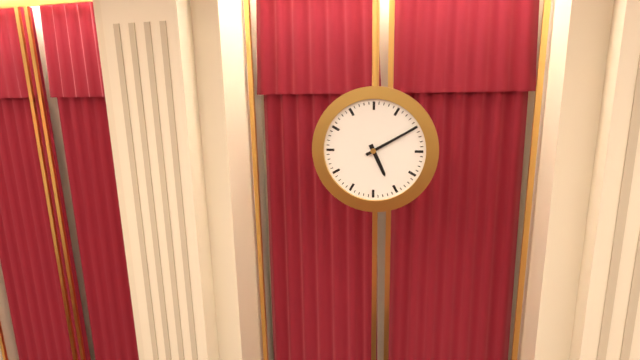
5:10
